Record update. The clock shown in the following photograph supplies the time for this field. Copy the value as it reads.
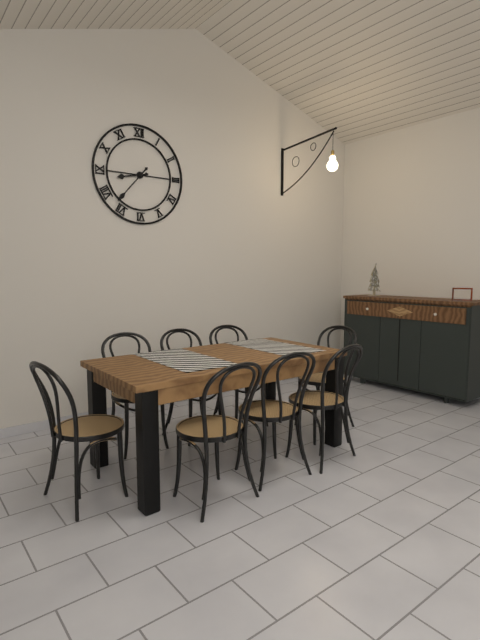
8:37
